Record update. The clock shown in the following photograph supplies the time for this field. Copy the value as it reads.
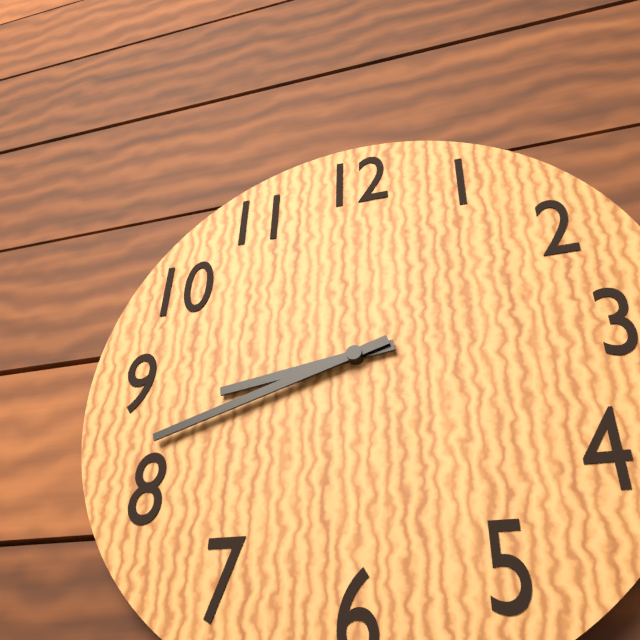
8:42
